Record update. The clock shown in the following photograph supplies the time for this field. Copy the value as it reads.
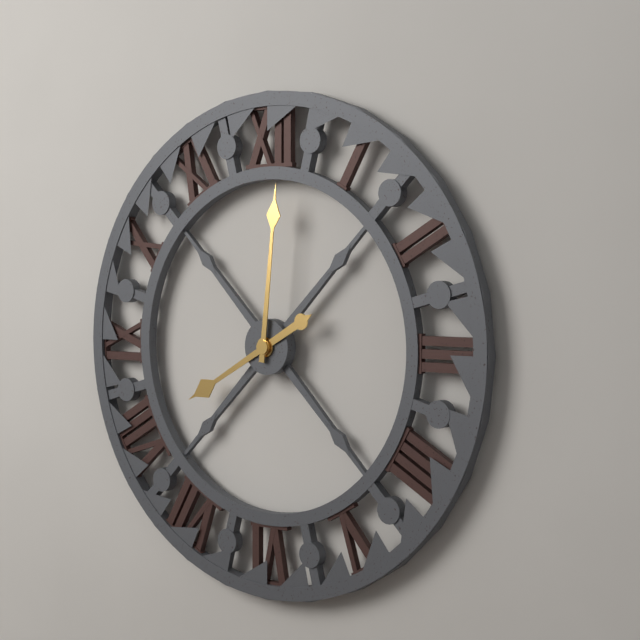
8:01
